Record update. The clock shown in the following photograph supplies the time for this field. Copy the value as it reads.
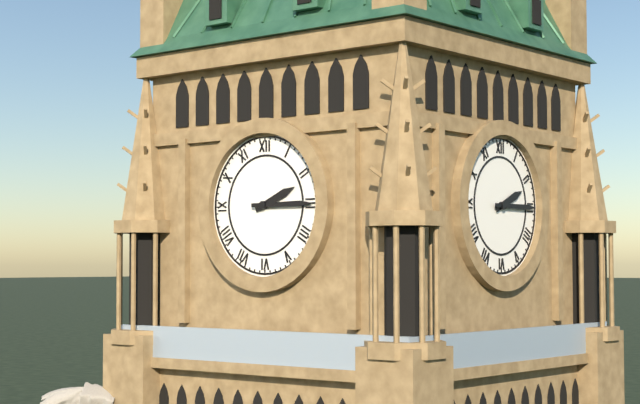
2:15
